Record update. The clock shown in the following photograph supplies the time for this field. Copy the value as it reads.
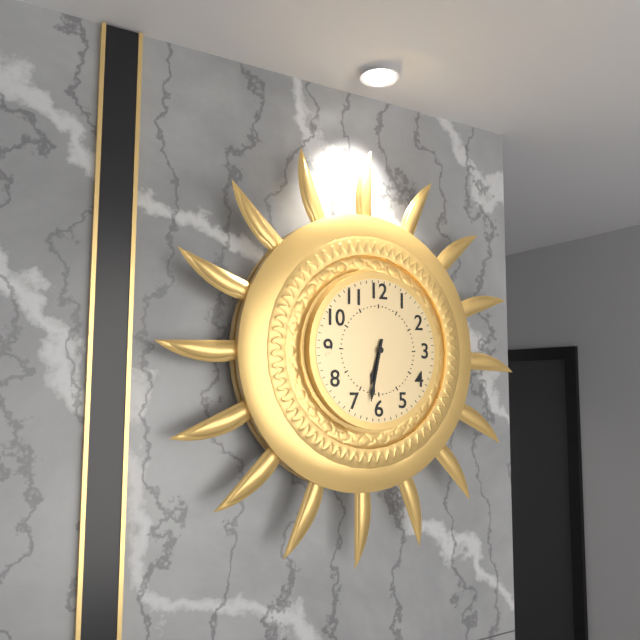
6:32
